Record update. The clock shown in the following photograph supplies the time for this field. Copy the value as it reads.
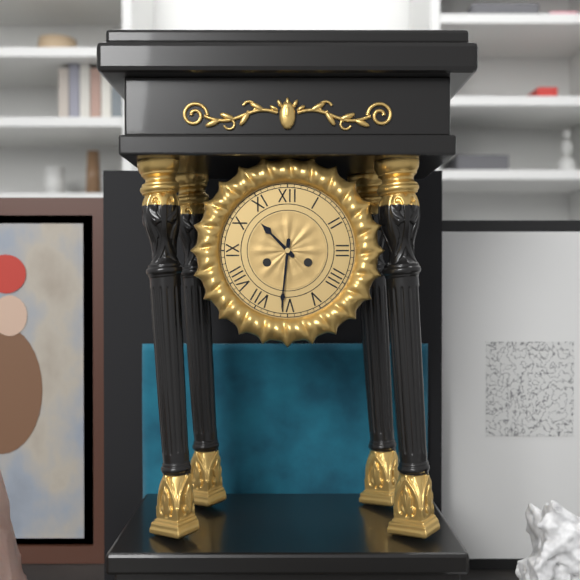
10:31
